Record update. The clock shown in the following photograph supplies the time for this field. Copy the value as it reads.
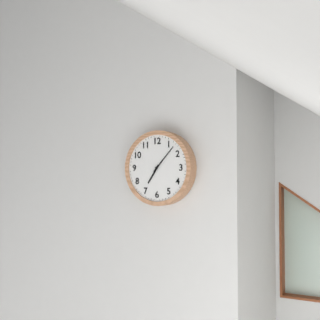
7:07
